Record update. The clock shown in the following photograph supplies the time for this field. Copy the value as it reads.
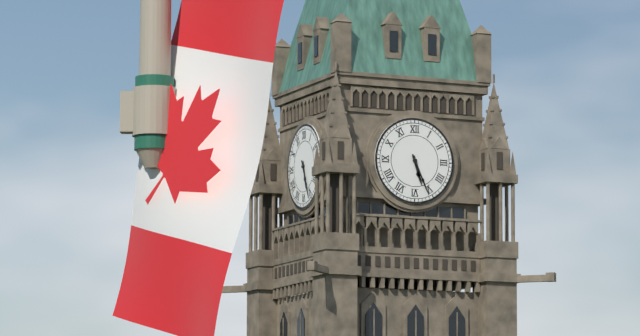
5:26
